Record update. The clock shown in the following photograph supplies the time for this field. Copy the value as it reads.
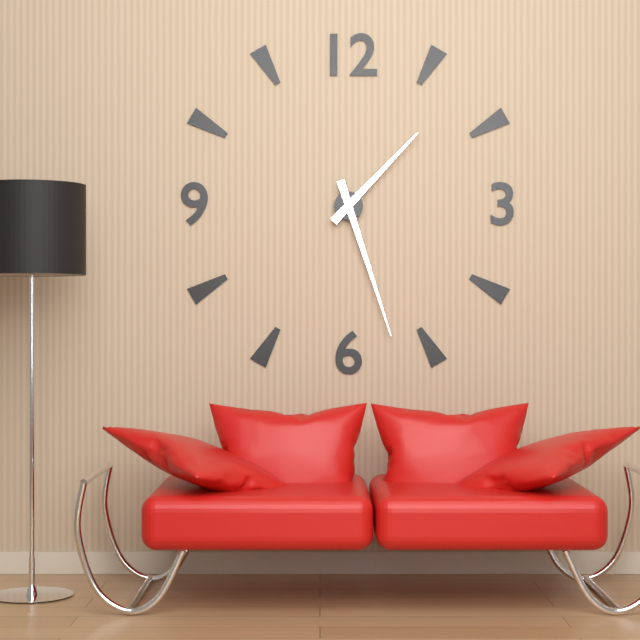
1:27
